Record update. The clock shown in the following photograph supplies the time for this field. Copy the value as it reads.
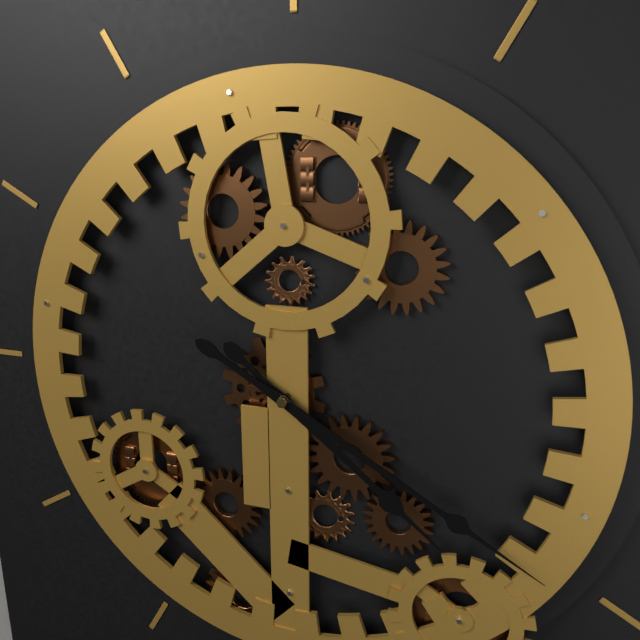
4:20
